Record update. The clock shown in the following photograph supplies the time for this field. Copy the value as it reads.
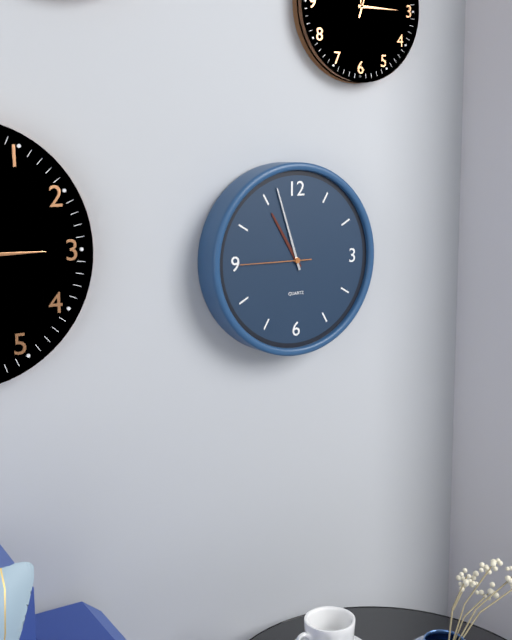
10:57:45
